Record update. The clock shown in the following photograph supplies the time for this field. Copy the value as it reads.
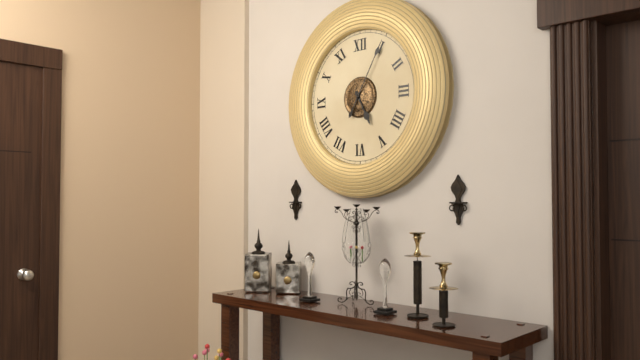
5:05
